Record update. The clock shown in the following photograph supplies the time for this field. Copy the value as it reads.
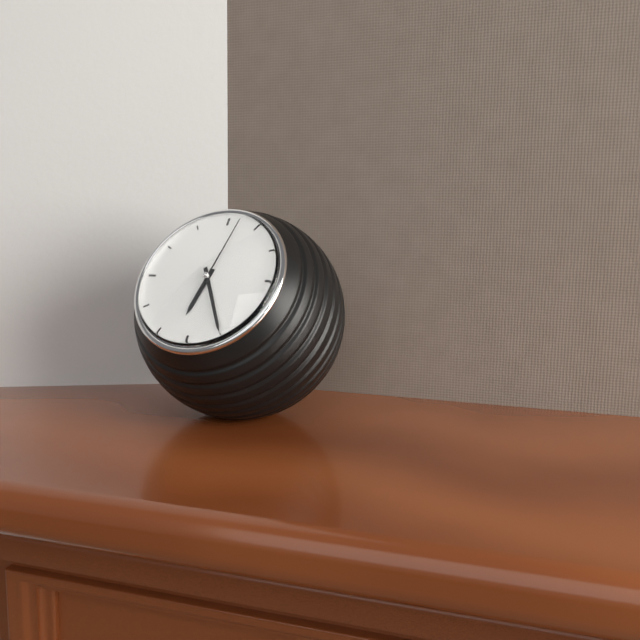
6:25:02
